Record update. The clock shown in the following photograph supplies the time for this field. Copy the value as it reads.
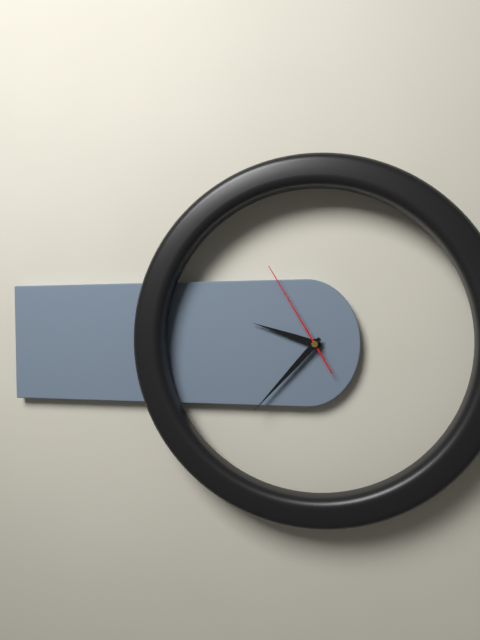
9:37:55
